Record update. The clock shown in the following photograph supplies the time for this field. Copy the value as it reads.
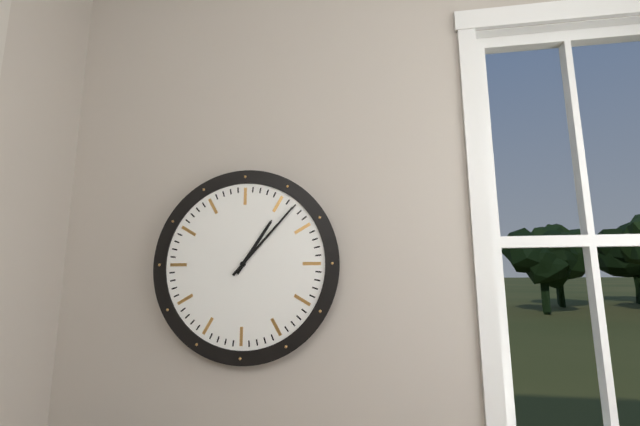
1:07
